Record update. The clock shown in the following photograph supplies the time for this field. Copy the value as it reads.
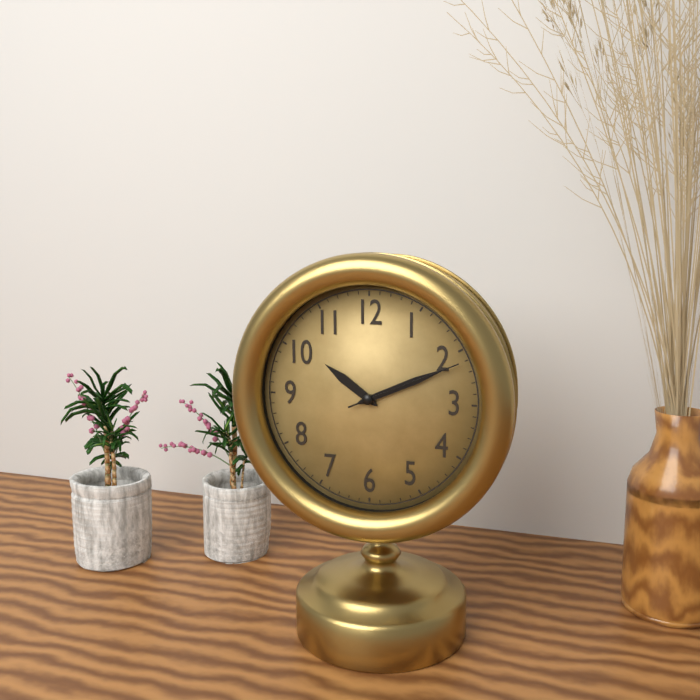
10:11:11
